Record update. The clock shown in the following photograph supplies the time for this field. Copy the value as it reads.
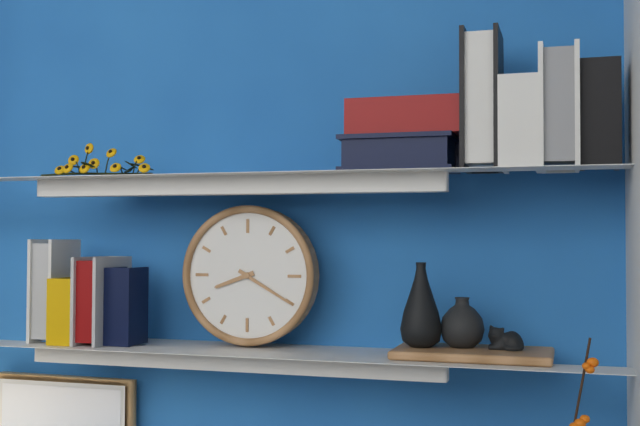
8:20
